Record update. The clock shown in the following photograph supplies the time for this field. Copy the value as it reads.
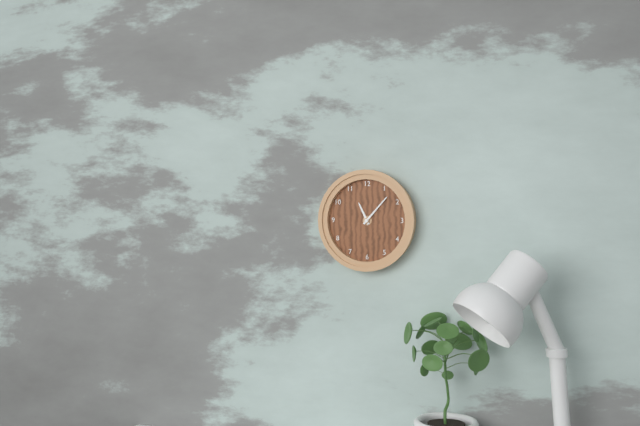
11:07
